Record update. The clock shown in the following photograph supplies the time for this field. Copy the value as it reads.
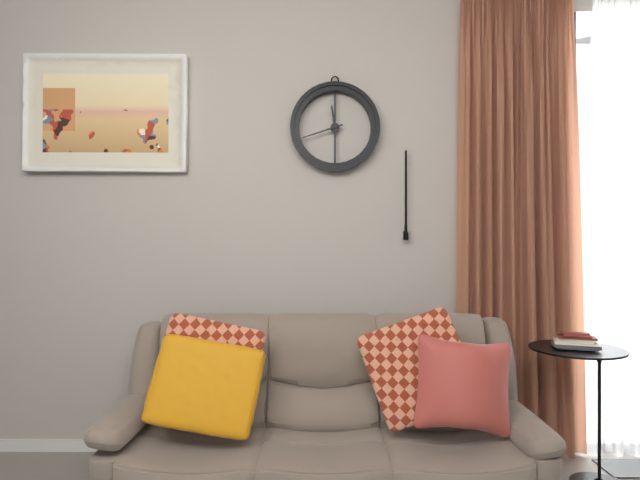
11:42
